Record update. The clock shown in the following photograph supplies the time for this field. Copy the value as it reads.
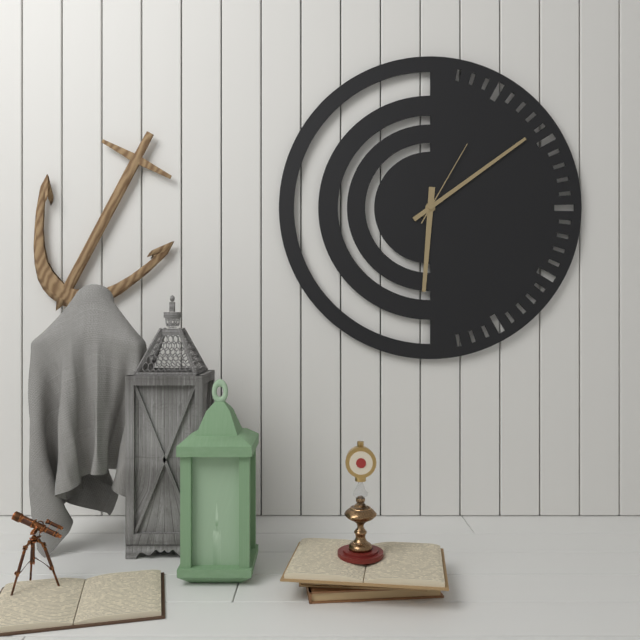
6:09:05
